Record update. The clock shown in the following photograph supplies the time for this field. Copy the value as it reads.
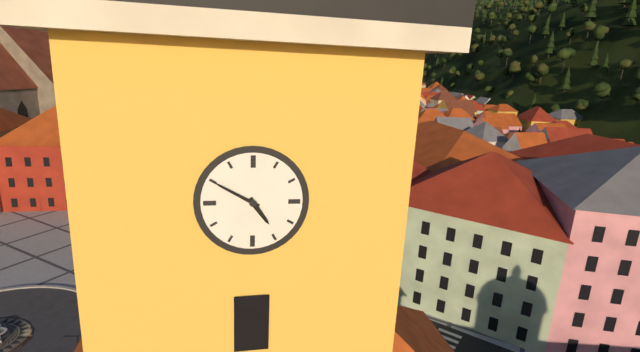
4:50
